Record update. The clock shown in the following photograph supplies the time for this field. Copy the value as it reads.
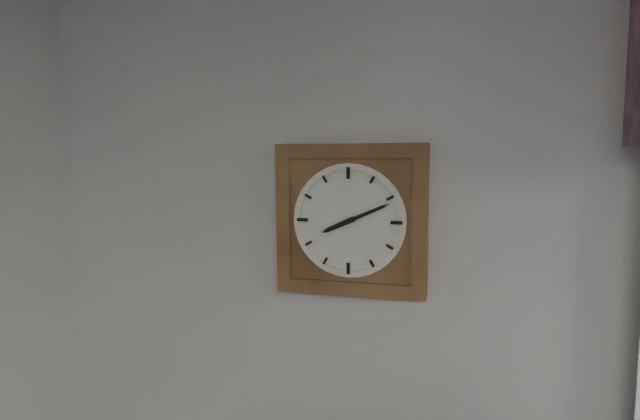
8:11
